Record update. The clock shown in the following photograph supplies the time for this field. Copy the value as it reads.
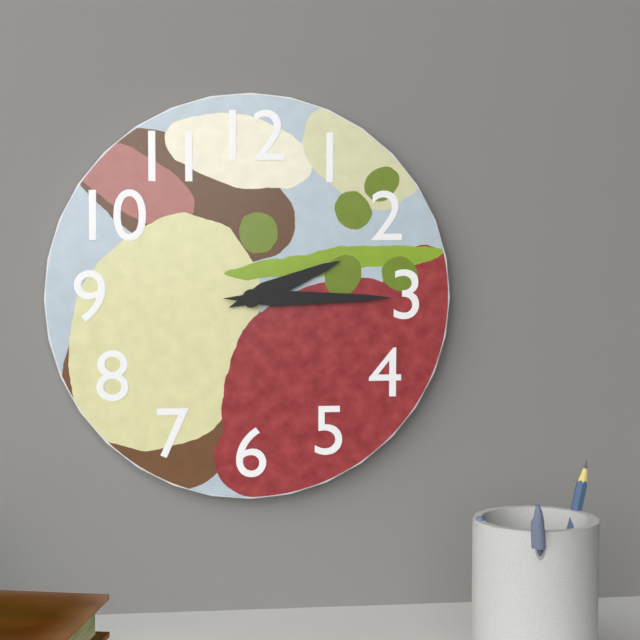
2:15
